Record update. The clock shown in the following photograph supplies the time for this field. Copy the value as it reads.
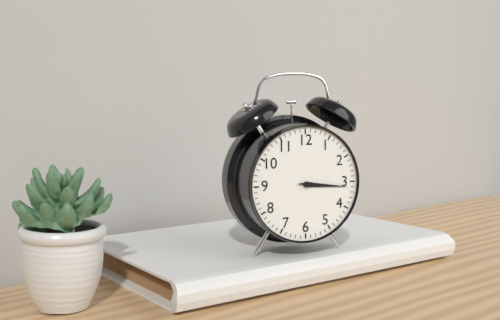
3:16
